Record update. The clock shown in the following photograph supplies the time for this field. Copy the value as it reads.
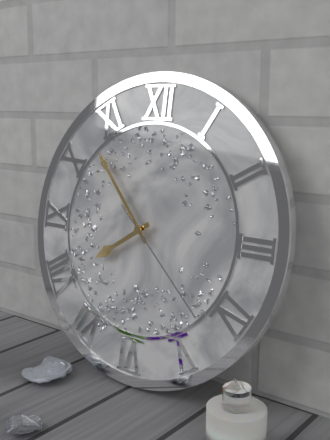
7:53:22
